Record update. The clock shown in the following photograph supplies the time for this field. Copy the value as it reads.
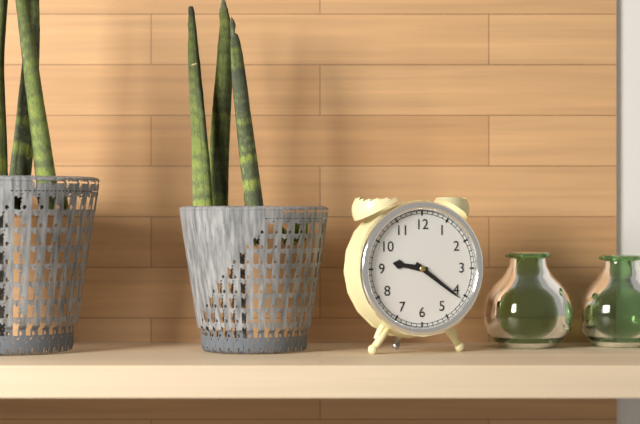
9:21
